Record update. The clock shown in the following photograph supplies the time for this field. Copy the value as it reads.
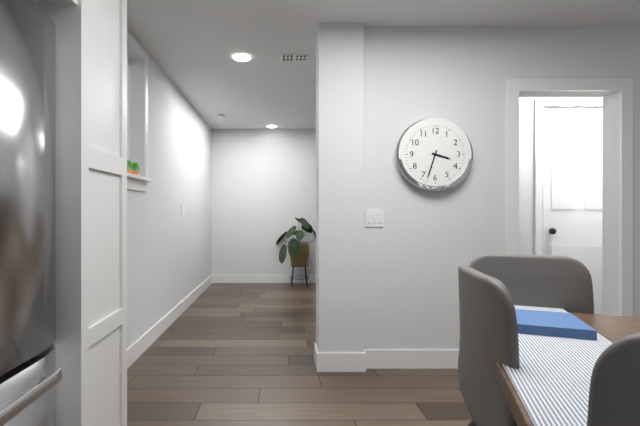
3:33
